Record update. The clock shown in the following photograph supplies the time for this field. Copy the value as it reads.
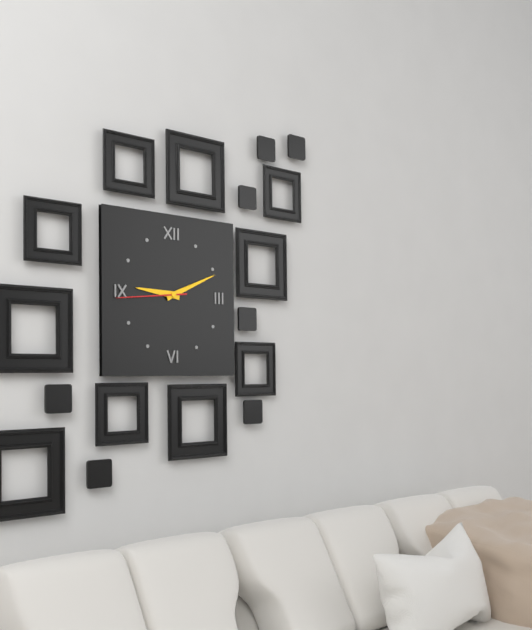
9:11:44
